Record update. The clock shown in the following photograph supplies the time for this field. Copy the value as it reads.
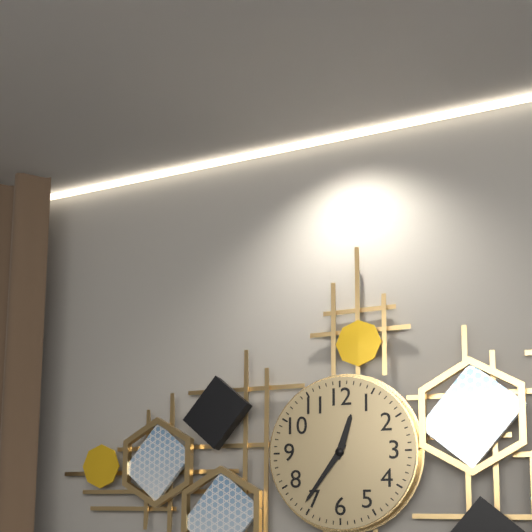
12:36
